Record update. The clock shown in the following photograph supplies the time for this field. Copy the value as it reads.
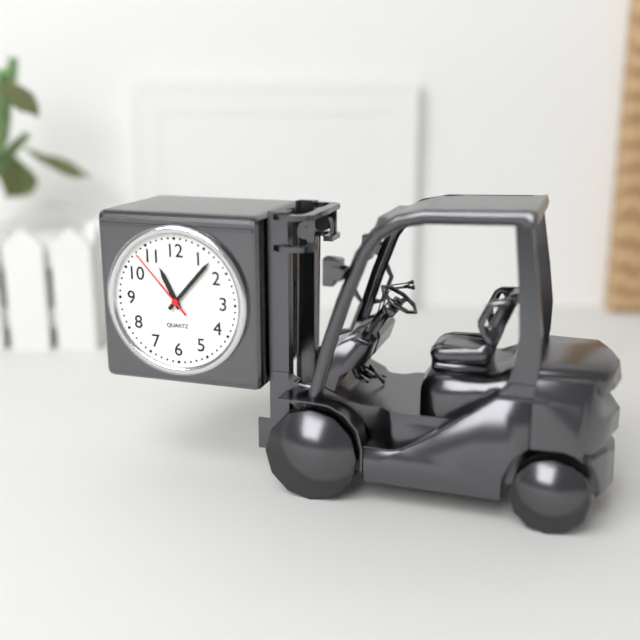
11:07:53
